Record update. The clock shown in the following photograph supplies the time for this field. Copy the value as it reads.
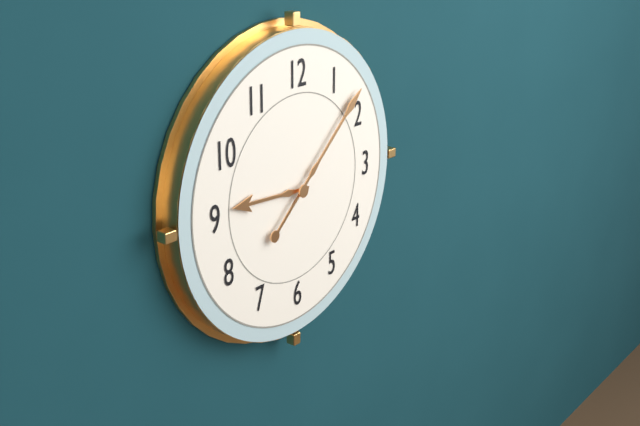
9:08
